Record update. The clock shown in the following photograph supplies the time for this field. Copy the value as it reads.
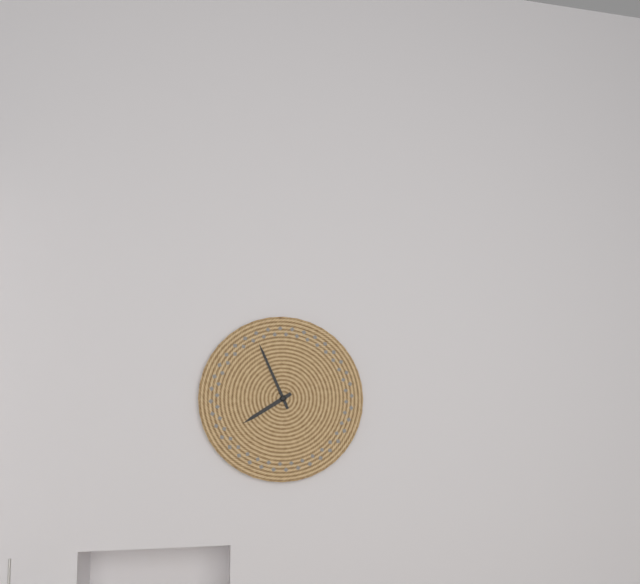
7:56
